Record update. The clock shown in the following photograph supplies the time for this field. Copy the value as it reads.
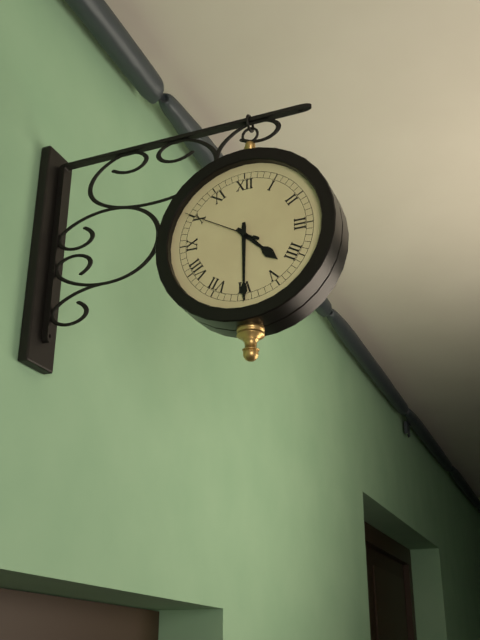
4:30:50
